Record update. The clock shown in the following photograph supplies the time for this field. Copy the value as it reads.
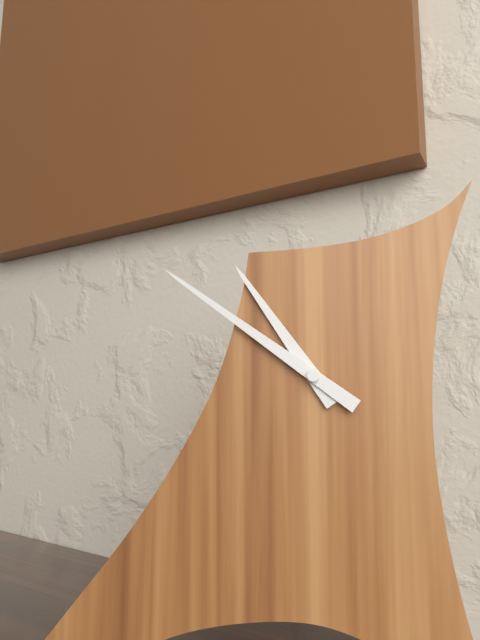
10:51
